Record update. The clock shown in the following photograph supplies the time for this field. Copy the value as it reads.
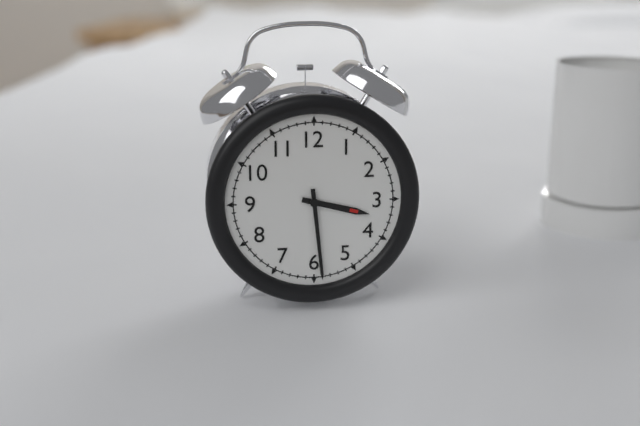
3:29
